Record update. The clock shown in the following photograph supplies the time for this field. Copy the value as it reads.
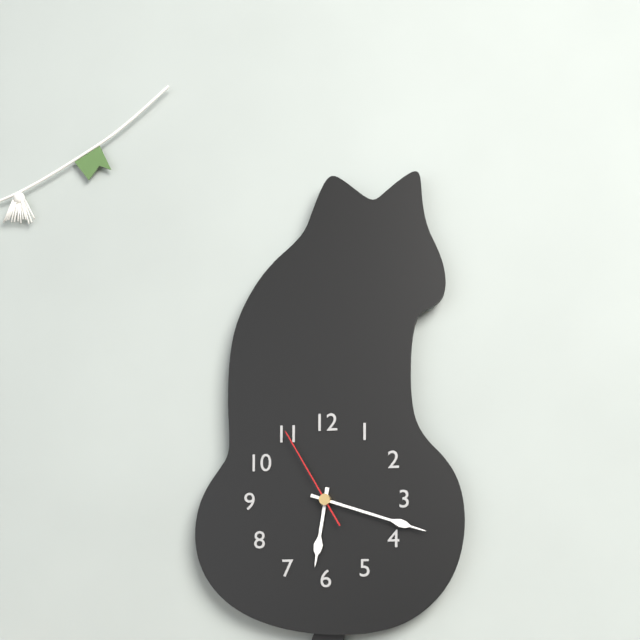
6:18:55
